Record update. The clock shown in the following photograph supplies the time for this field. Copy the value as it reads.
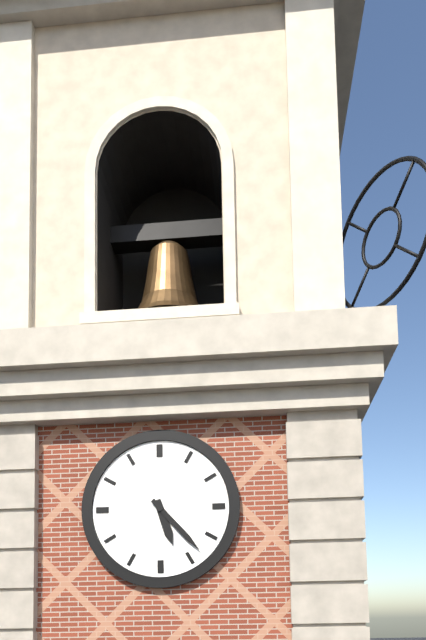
5:23
